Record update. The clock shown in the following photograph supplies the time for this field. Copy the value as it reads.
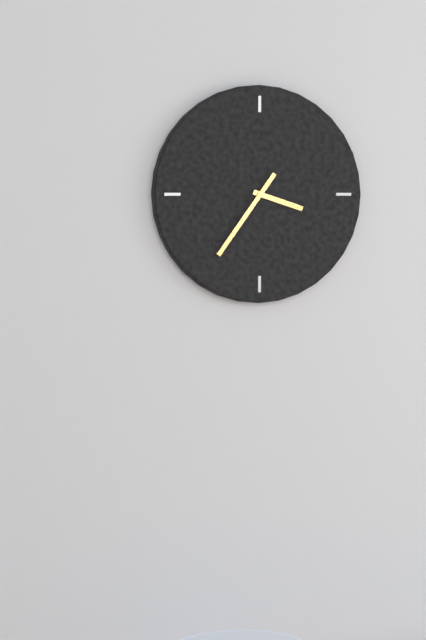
3:36
